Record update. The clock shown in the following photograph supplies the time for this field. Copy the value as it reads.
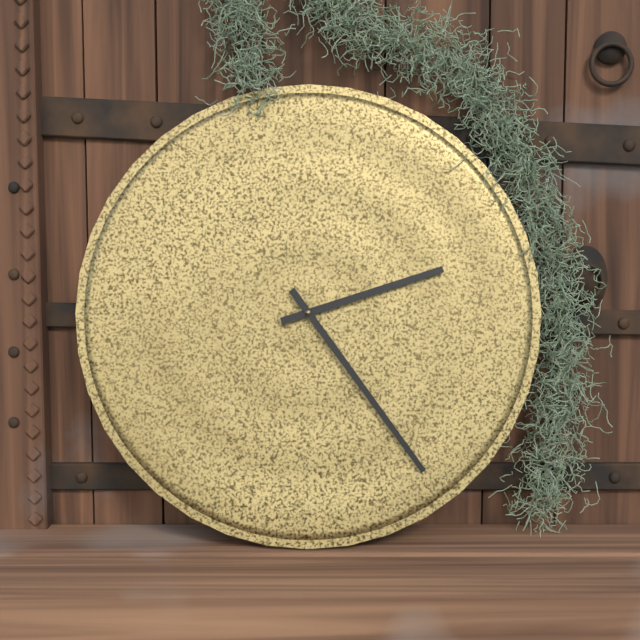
2:24
